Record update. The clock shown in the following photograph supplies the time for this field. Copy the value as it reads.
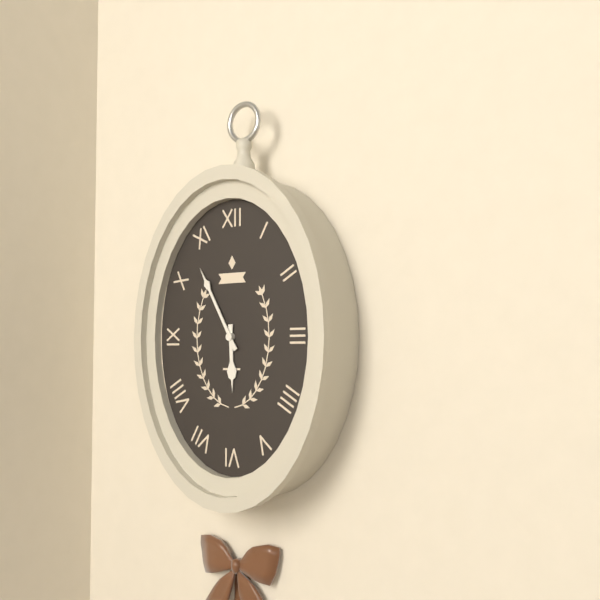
5:55
